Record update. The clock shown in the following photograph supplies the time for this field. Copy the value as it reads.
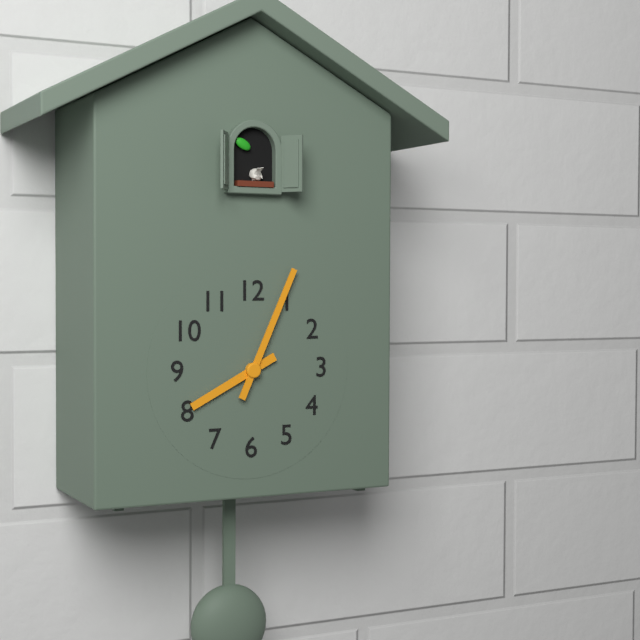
8:04
